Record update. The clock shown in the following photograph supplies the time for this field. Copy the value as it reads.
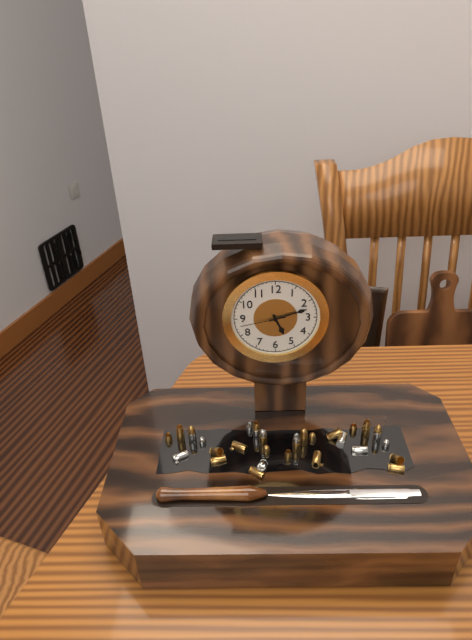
5:12
